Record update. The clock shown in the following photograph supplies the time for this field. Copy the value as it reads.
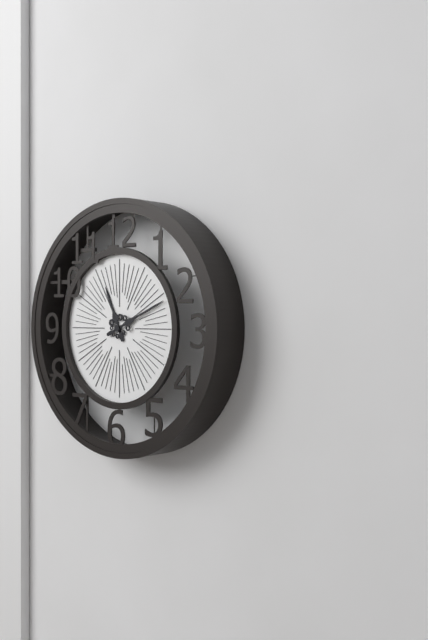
11:11
